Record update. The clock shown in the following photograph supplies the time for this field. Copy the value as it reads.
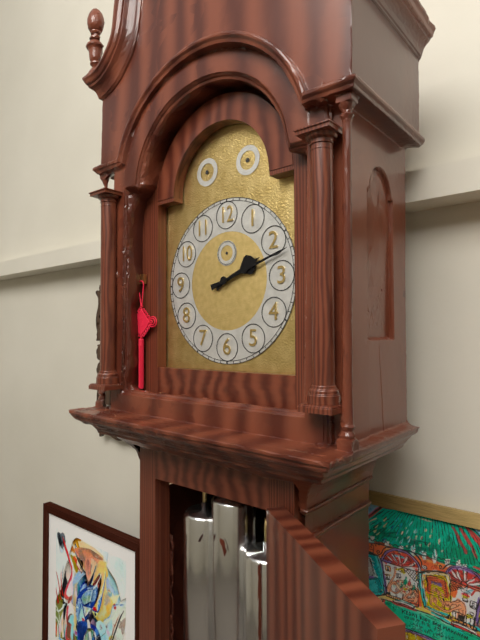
2:12
